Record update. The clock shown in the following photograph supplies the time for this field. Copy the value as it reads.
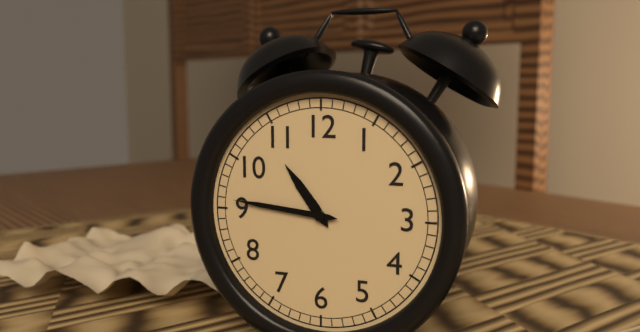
10:46
